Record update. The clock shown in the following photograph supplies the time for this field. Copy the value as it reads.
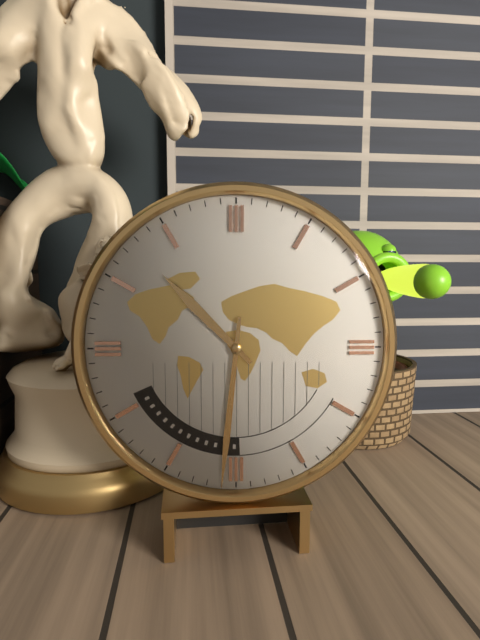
10:31
